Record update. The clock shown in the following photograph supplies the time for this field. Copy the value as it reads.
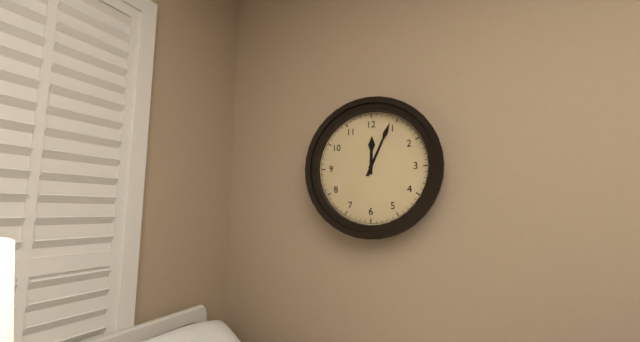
12:04
